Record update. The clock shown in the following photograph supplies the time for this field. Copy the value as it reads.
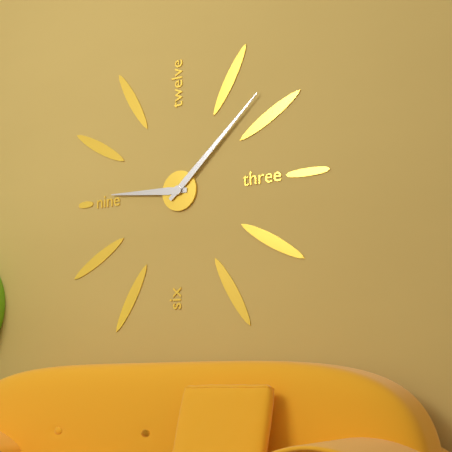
9:08
